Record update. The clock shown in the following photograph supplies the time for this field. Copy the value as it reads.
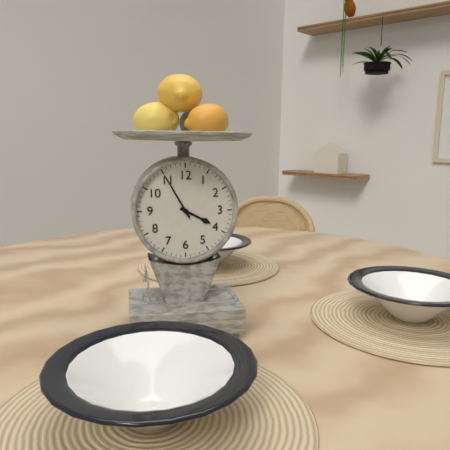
3:55
